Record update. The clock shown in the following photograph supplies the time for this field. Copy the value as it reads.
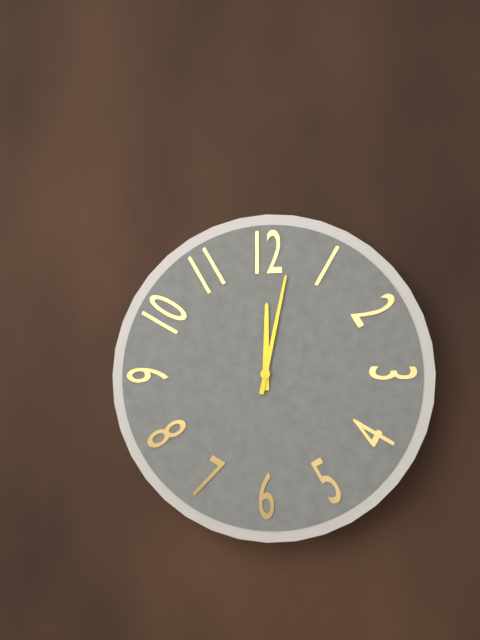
12:02
